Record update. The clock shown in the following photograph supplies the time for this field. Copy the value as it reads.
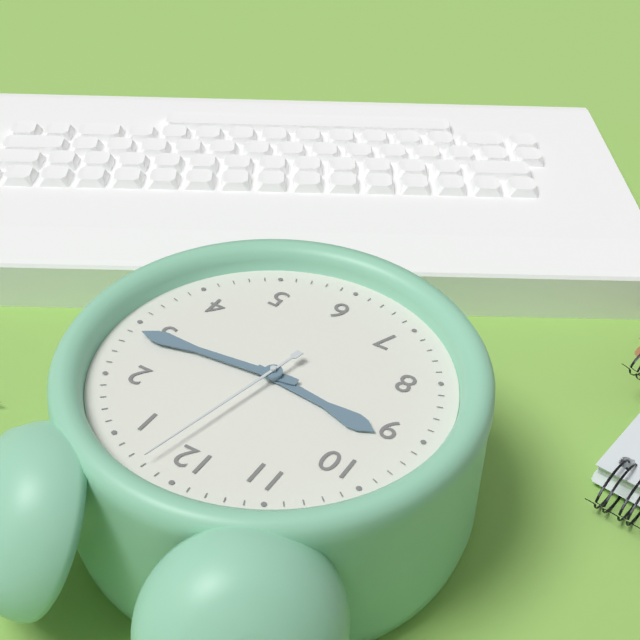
9:14:02
